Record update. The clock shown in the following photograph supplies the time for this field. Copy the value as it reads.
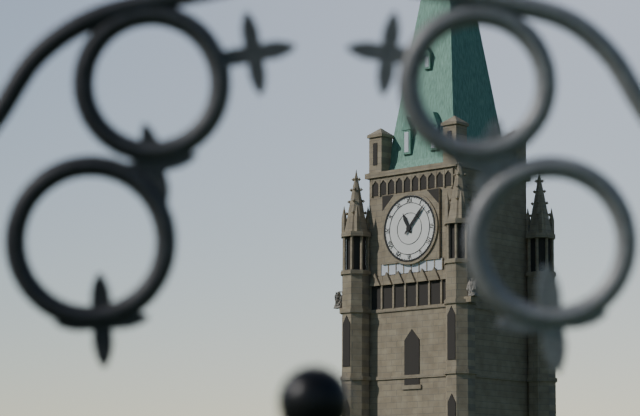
11:07
